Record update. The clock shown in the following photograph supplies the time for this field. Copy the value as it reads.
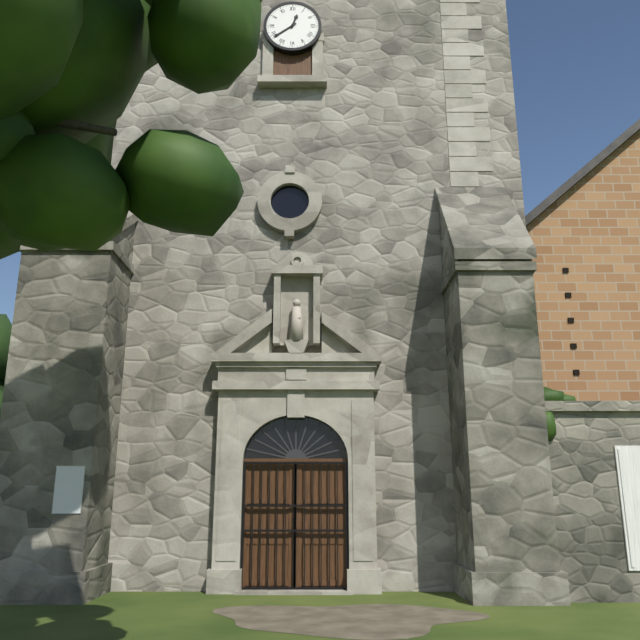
12:39
